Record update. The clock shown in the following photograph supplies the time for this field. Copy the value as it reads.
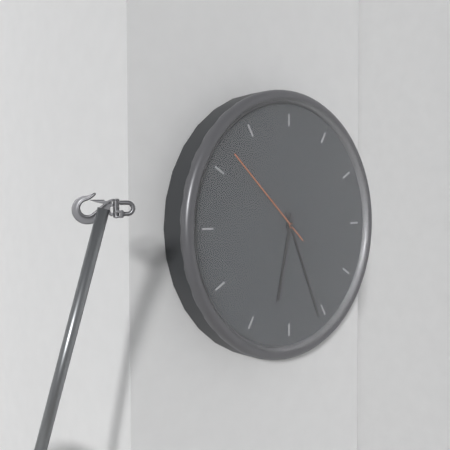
6:26:52
